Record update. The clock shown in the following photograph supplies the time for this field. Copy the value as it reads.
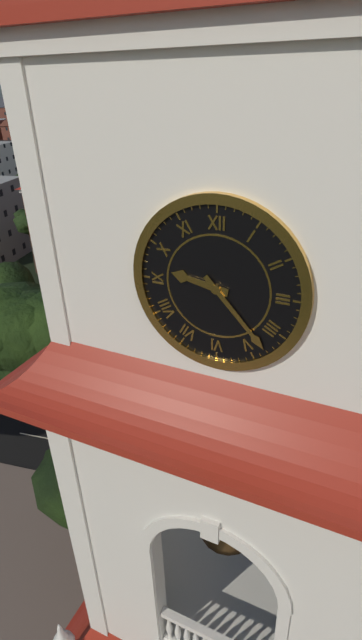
9:23
